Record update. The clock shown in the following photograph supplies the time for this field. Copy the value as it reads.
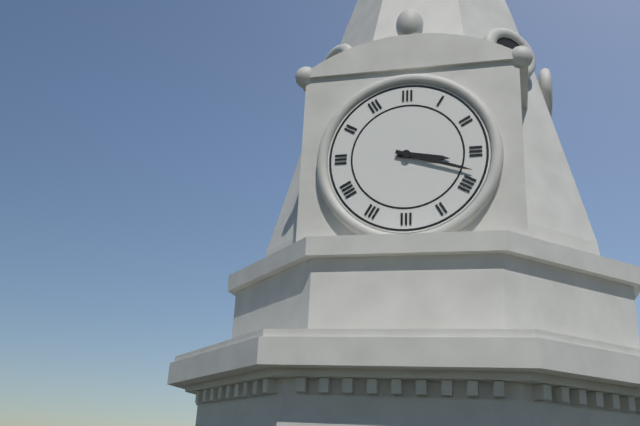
3:18
